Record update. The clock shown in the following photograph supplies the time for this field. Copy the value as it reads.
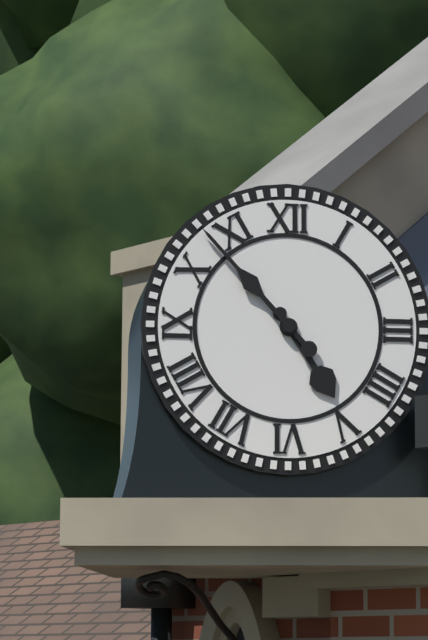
4:53
